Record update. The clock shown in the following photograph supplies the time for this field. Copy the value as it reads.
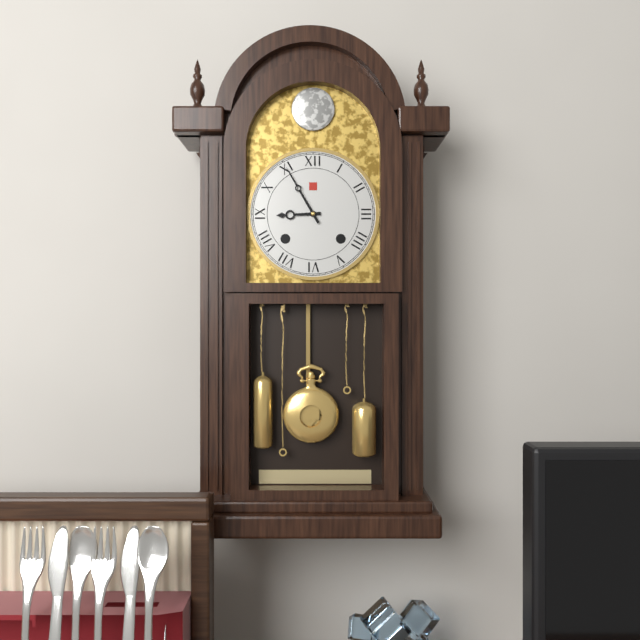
8:55
